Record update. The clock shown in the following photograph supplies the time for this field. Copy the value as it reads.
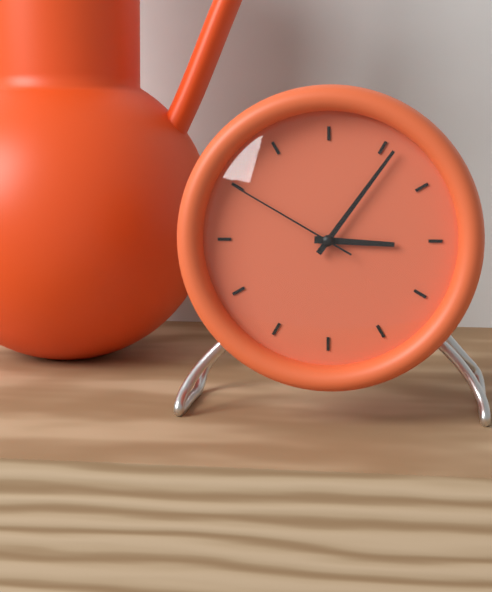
3:06:50
